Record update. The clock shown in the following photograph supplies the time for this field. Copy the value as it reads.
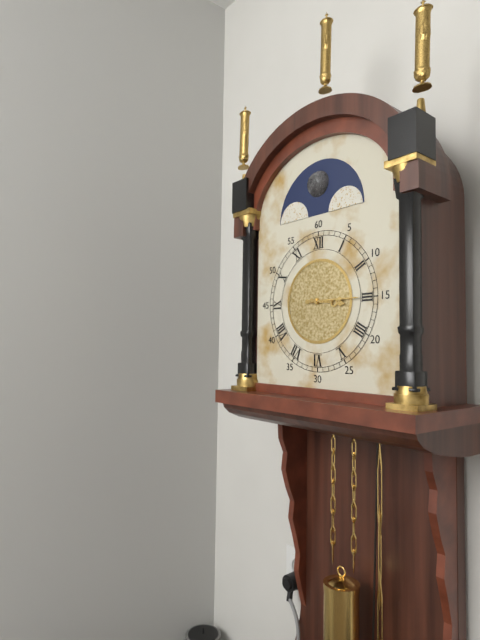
3:15
